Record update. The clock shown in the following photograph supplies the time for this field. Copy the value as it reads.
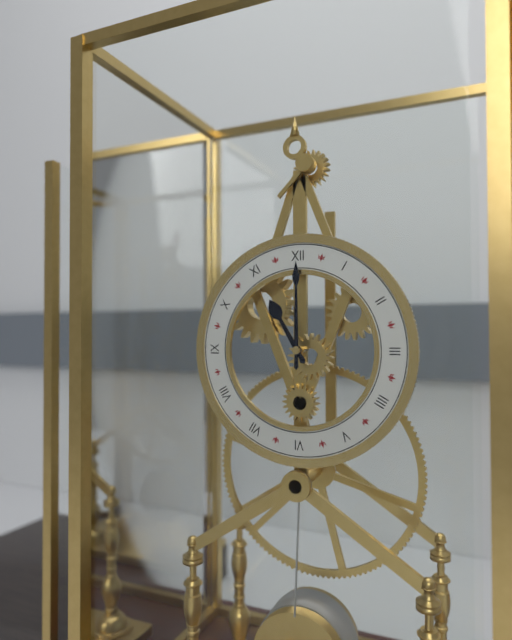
11:00
